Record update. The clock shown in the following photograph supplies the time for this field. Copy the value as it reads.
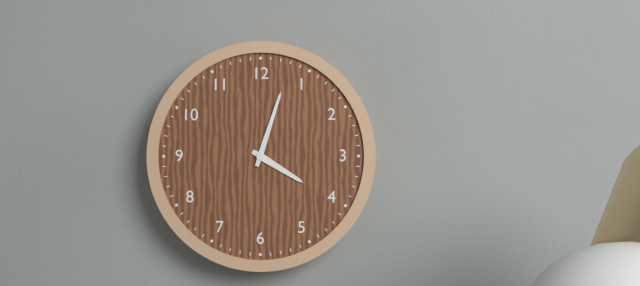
4:03
